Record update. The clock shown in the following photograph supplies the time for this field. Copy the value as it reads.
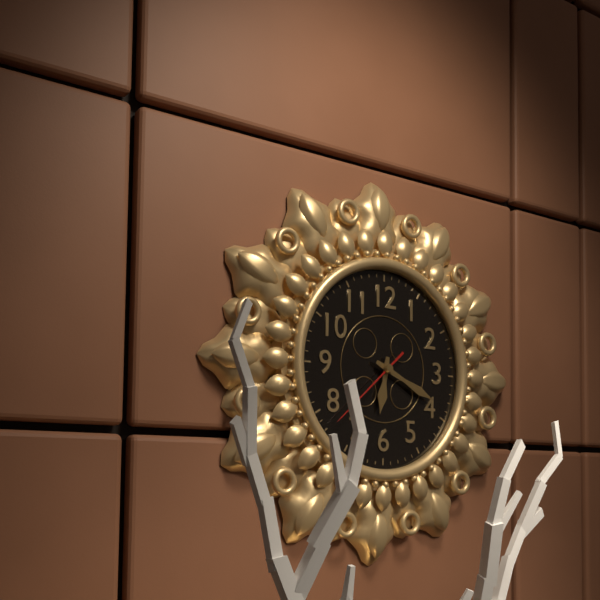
6:19:38
